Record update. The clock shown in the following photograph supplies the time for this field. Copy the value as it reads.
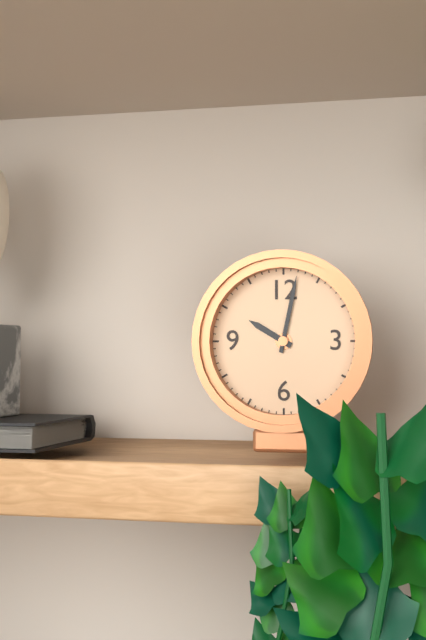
10:02
